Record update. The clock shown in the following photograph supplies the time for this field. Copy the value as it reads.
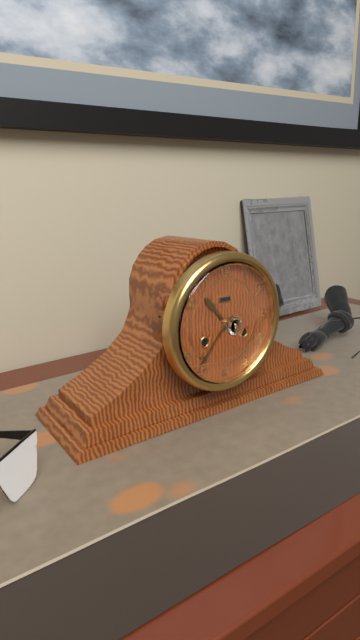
10:37
